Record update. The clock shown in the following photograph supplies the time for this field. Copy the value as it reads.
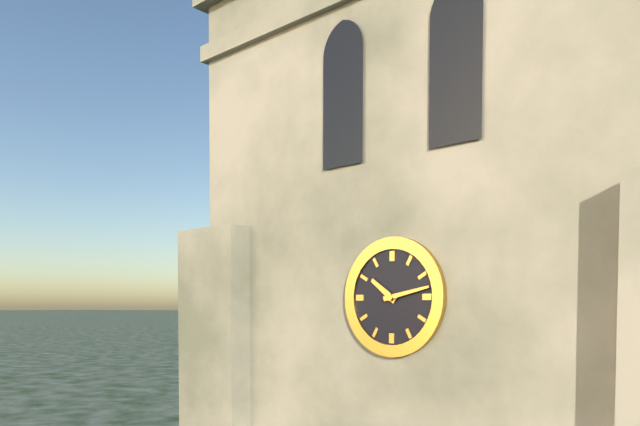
10:13
